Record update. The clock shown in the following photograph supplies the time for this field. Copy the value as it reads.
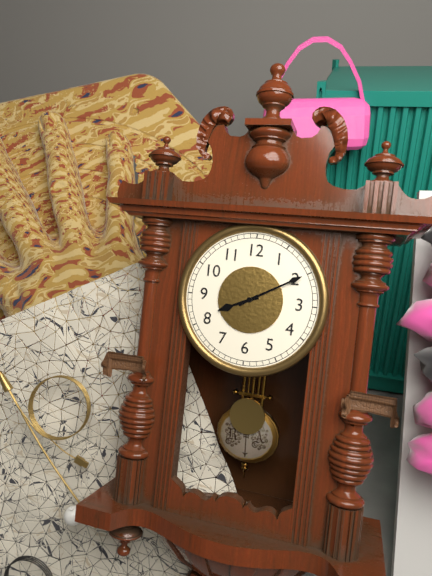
8:10
